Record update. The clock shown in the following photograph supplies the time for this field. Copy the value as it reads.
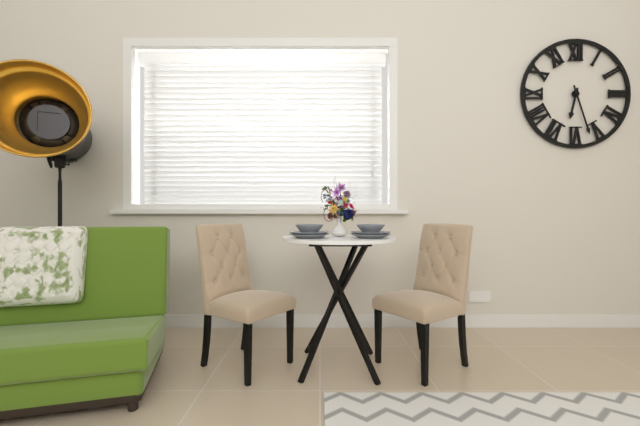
6:27
